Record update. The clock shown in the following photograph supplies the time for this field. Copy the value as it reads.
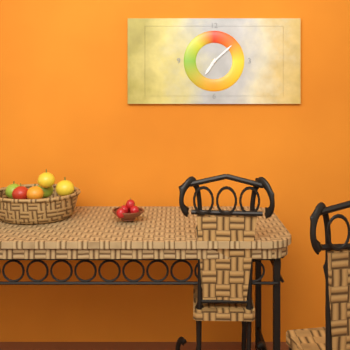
7:08
